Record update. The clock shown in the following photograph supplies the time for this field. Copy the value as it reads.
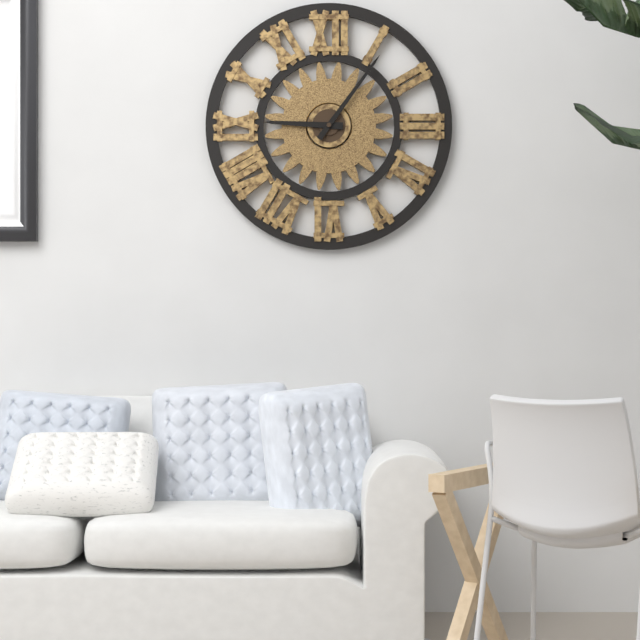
9:06
